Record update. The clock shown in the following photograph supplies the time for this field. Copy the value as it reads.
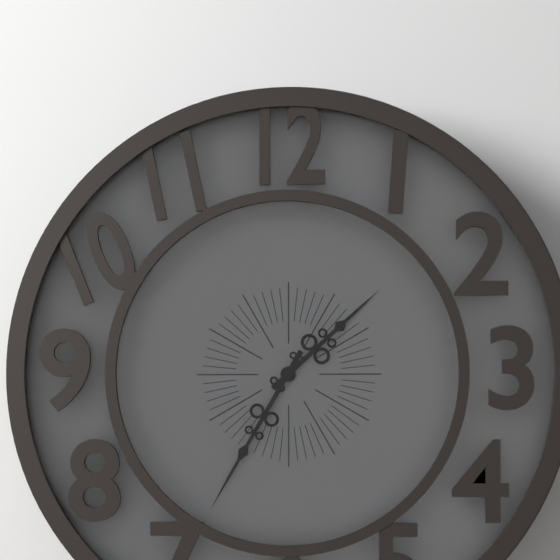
1:35
